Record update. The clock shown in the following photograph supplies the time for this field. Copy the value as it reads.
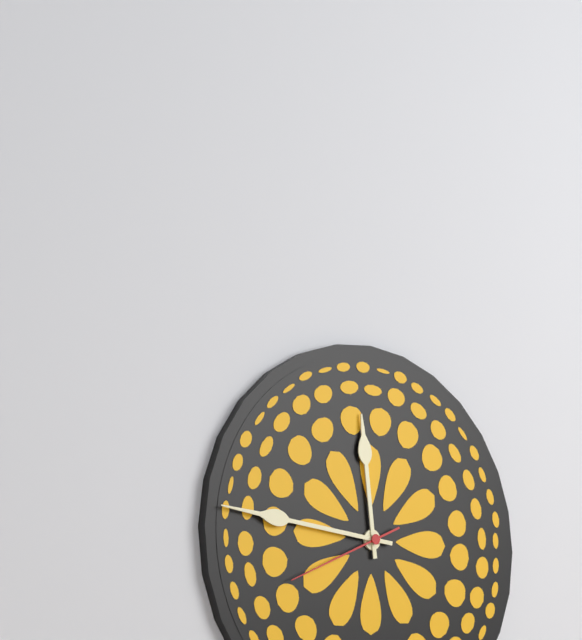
11:46:41
